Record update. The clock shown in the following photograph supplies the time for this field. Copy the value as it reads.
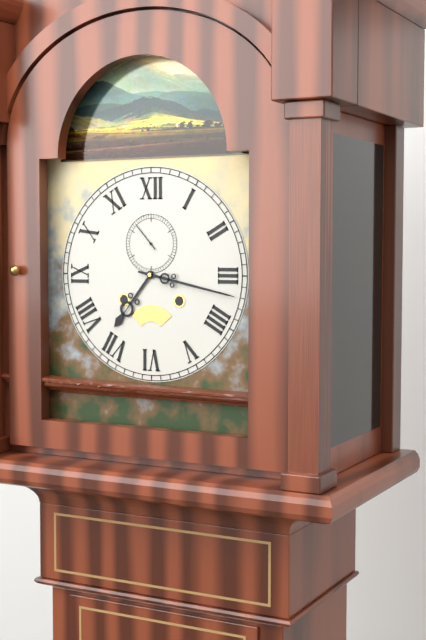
7:17
